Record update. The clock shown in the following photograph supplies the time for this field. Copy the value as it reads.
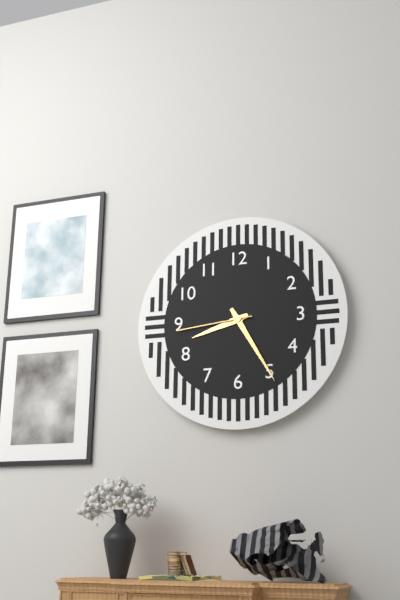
8:25:44
